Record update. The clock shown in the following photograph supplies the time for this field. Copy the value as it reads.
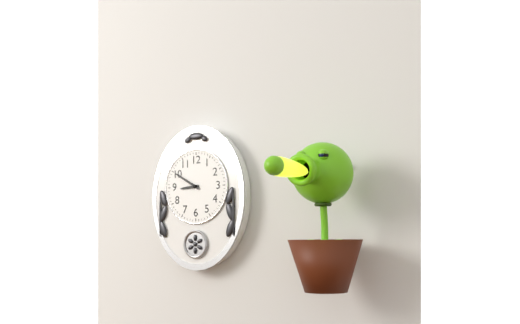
8:50
